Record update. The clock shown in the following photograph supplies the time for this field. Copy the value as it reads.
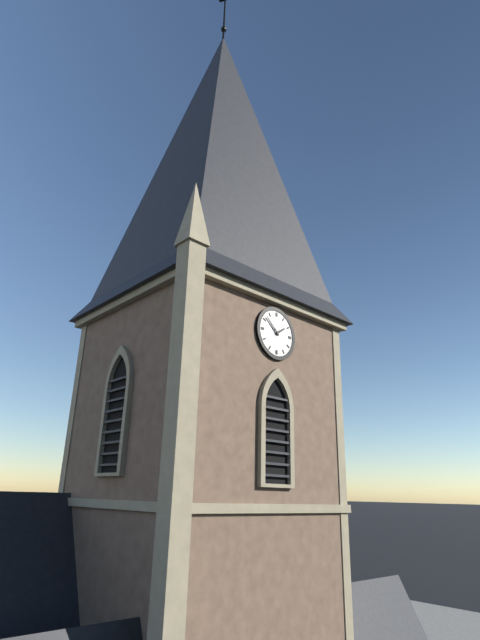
1:52
